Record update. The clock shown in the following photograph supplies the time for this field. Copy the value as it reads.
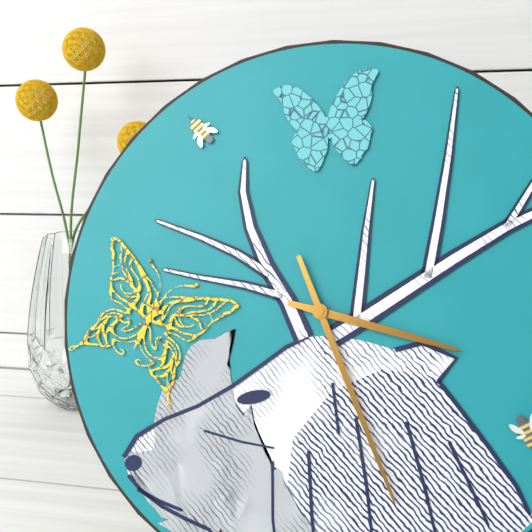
3:26
